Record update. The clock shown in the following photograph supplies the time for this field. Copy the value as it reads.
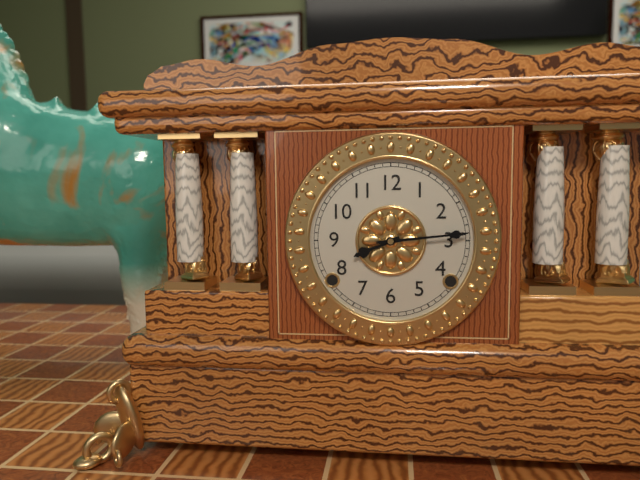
8:14
